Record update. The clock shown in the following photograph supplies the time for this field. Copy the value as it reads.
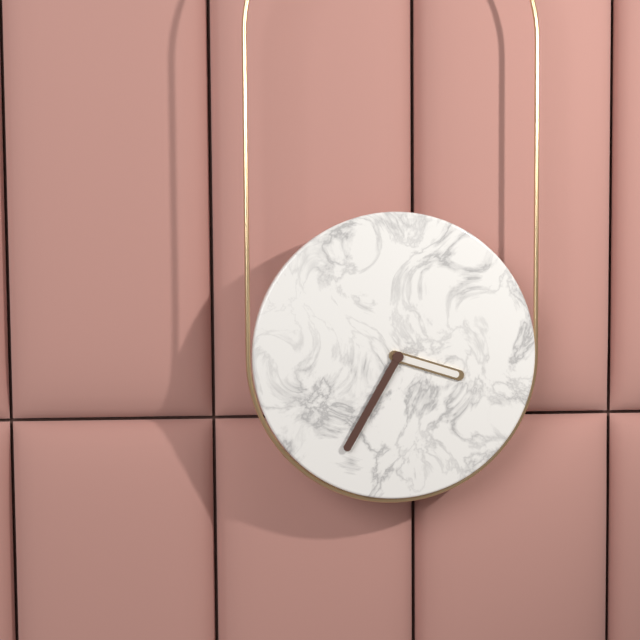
3:35
